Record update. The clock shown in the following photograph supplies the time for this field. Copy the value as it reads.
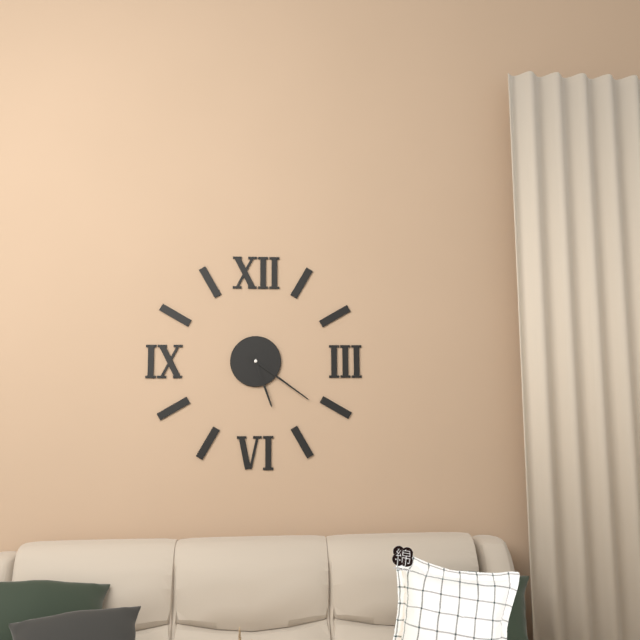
5:21
